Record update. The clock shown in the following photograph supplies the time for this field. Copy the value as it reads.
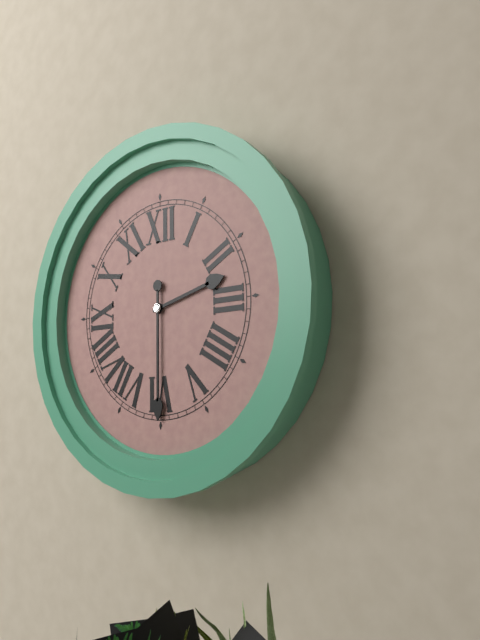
2:30
